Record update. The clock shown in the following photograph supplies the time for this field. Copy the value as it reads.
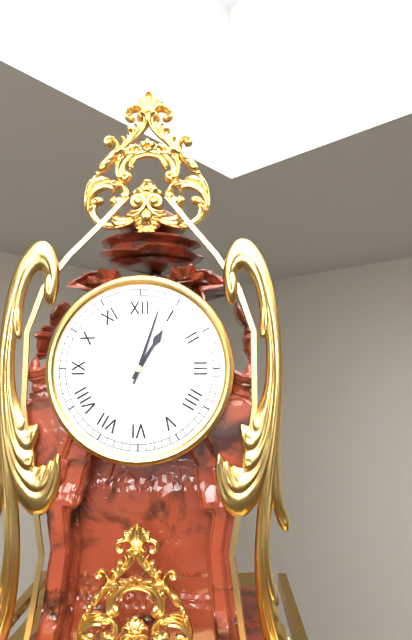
1:03
